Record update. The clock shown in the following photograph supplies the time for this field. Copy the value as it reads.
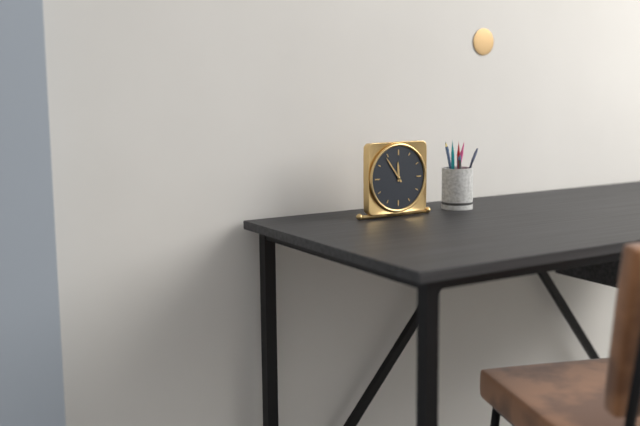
11:54
